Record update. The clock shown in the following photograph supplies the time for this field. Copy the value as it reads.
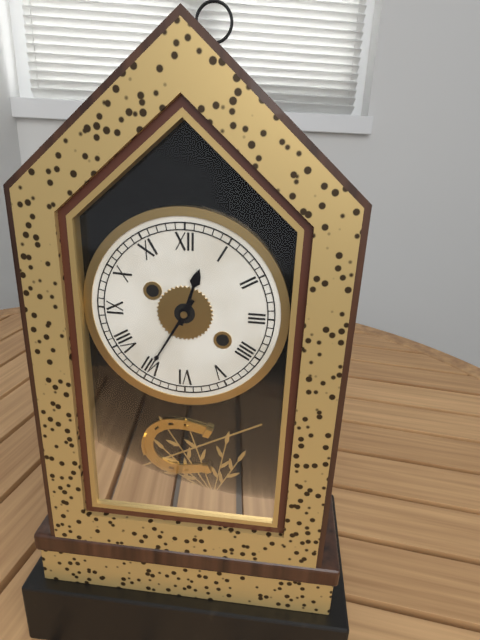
12:35
